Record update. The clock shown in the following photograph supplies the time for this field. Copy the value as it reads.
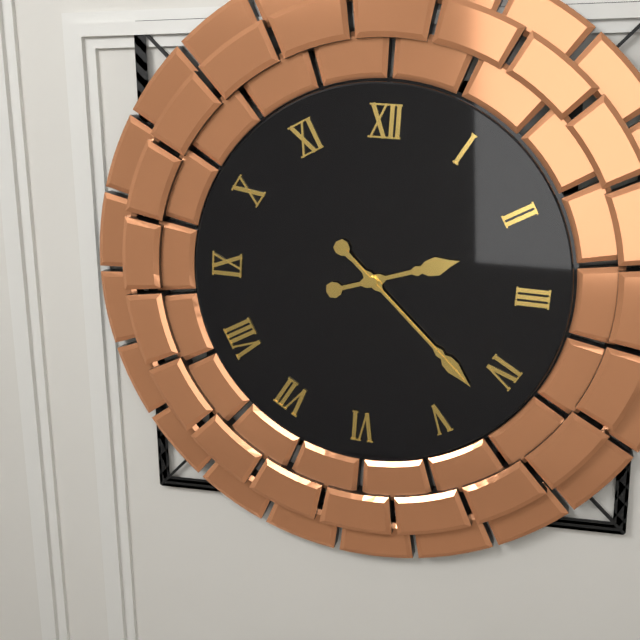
2:22:22
